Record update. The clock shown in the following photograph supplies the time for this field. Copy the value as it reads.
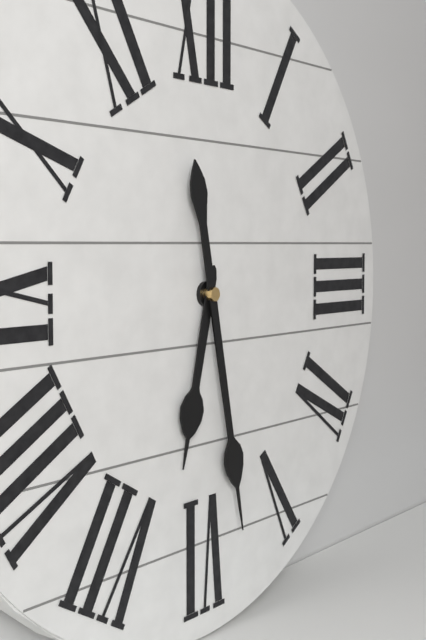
6:28
